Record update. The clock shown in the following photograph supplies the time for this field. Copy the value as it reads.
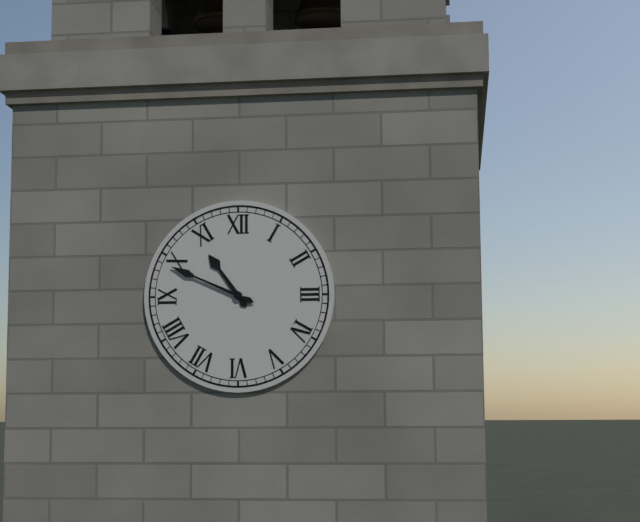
10:49
